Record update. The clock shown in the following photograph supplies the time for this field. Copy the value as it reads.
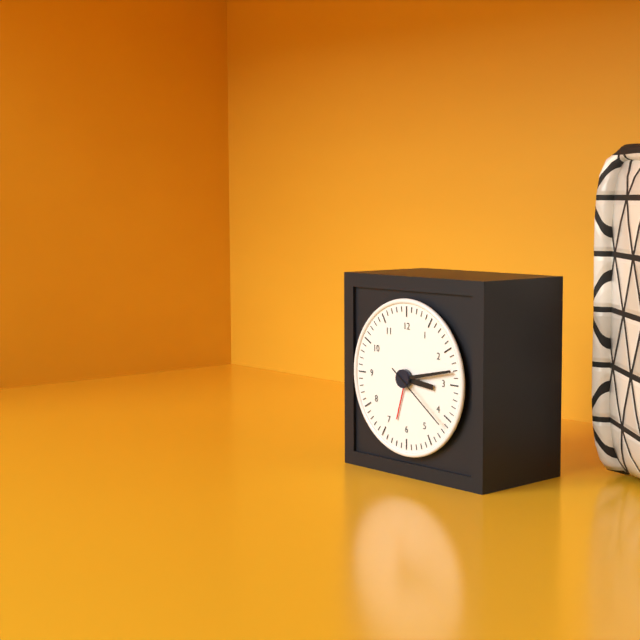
3:13:21
